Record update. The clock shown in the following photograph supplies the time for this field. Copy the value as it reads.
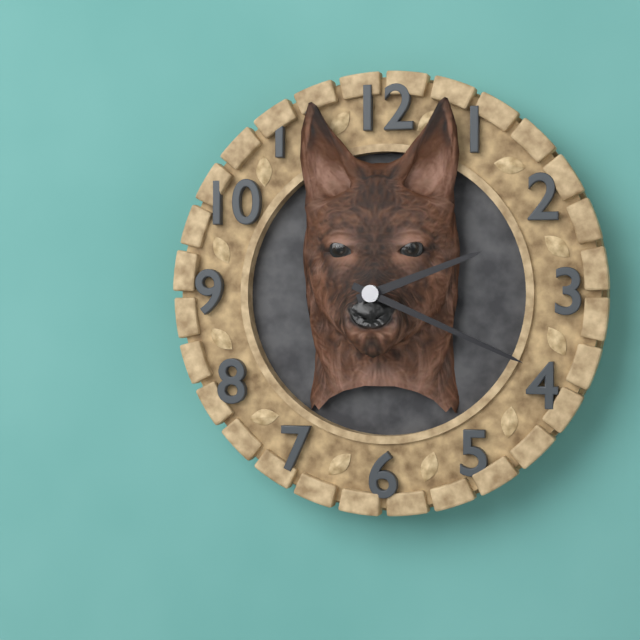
2:19
